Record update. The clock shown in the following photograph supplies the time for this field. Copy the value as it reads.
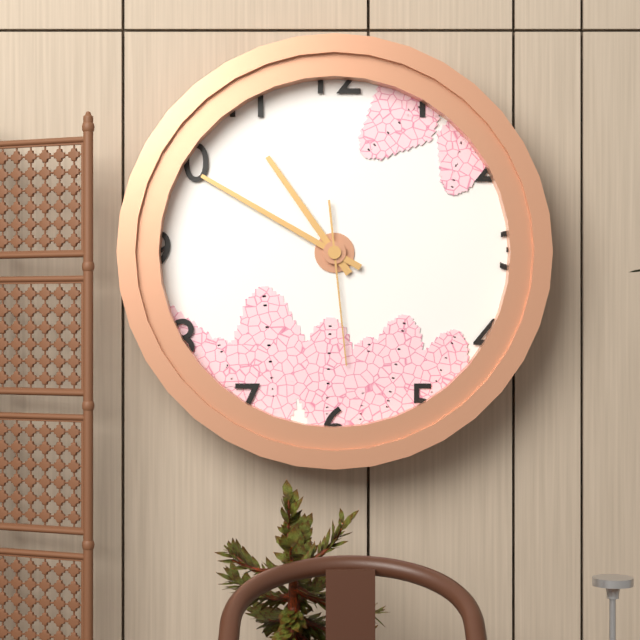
10:50:29
